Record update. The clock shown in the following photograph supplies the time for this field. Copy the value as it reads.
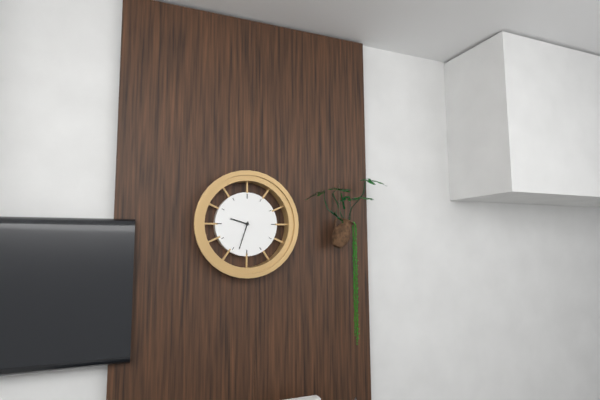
9:33
